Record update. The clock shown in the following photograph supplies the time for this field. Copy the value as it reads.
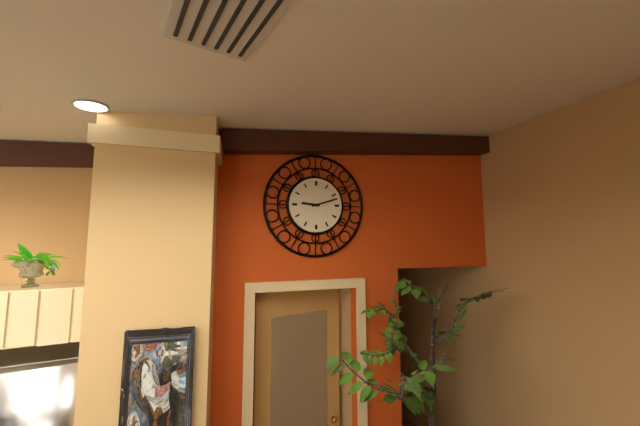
9:12
